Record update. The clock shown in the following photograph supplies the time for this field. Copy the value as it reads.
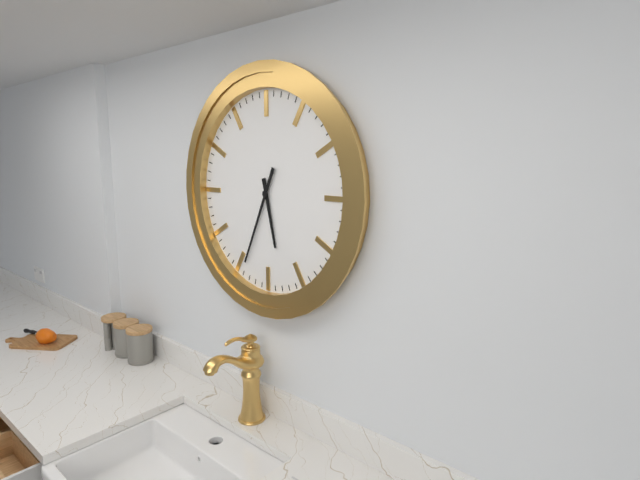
5:34
